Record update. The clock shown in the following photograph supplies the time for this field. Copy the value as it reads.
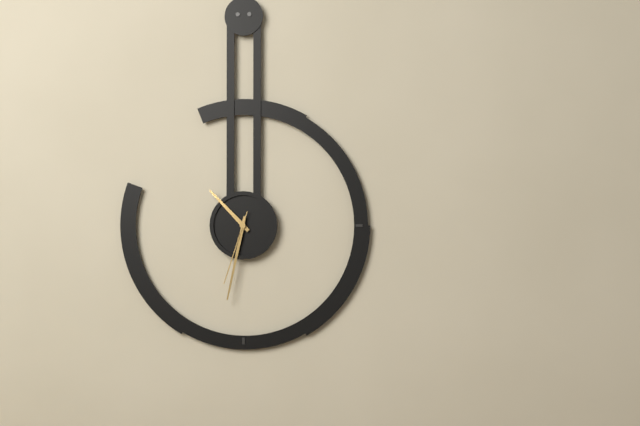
10:32:33
